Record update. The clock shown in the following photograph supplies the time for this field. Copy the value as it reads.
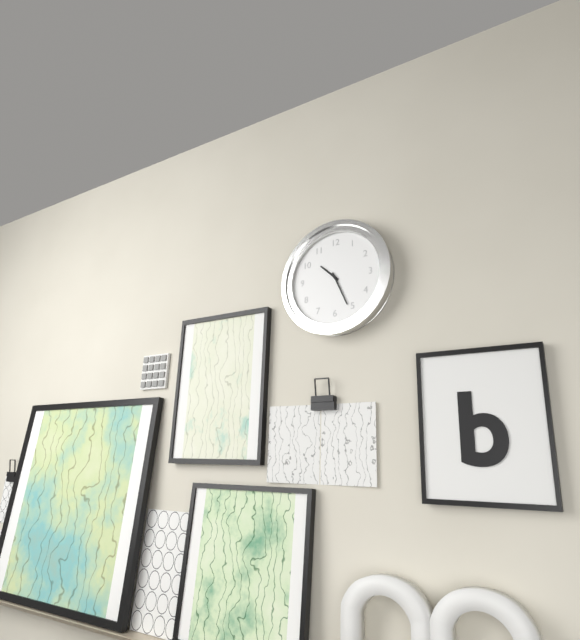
10:26
